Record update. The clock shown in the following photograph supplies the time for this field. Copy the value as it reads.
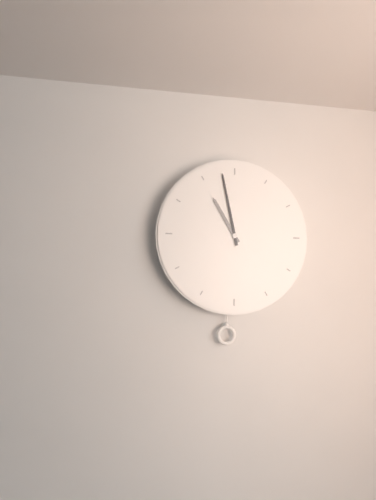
10:58
